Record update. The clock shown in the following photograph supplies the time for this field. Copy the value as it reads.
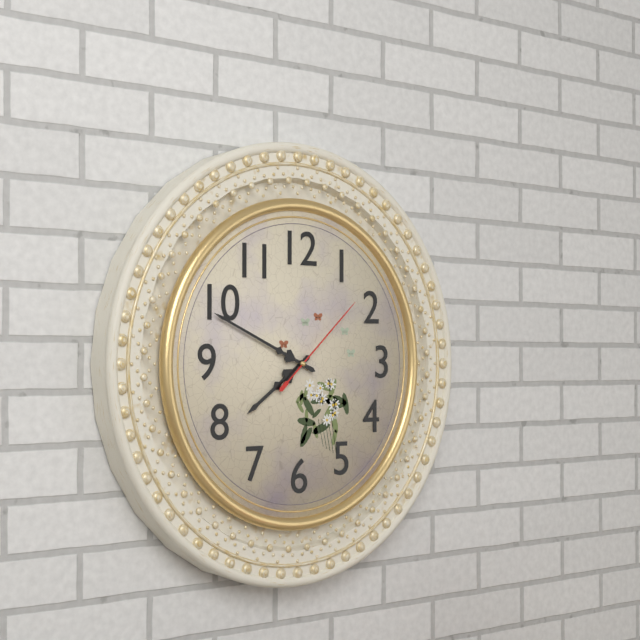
7:49:08
